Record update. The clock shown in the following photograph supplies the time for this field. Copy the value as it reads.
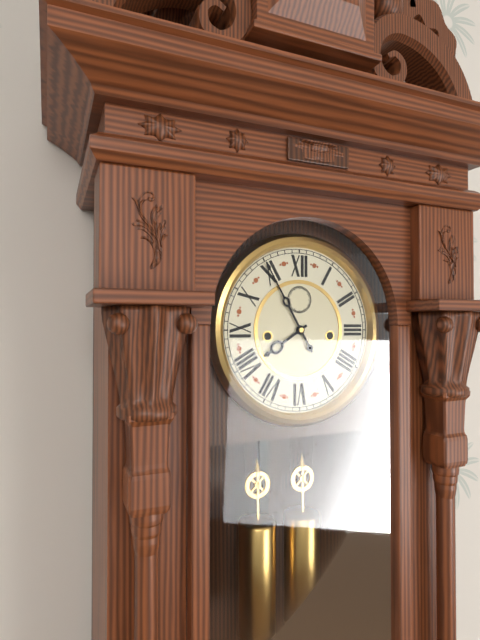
7:55
